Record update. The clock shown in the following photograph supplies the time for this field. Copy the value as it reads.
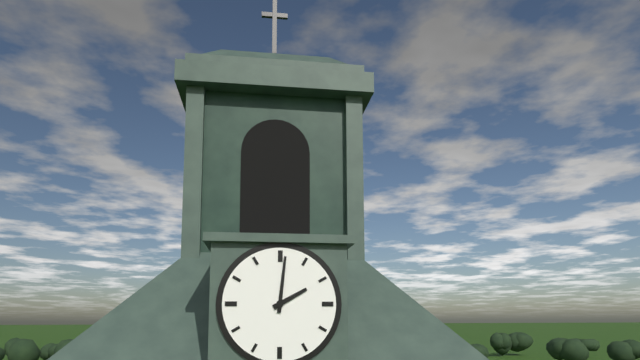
2:01
